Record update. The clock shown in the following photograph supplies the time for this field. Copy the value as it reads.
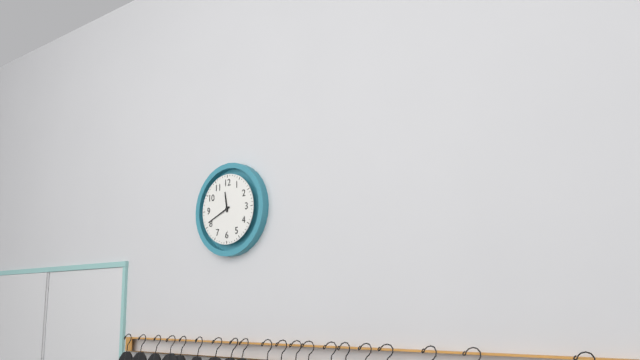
11:41
